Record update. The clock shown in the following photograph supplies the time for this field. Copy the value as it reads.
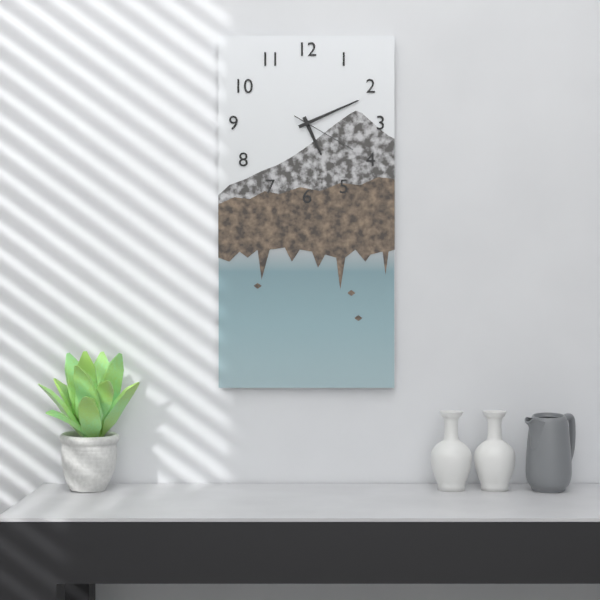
5:11:20
